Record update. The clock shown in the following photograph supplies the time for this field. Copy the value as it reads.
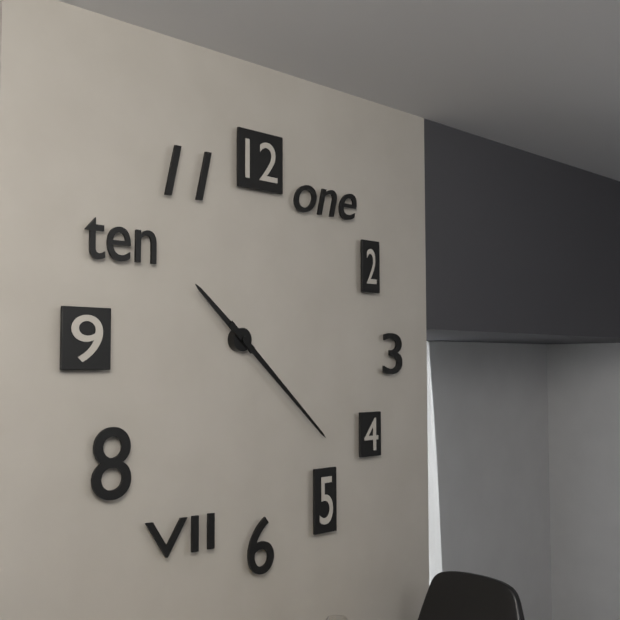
10:22
